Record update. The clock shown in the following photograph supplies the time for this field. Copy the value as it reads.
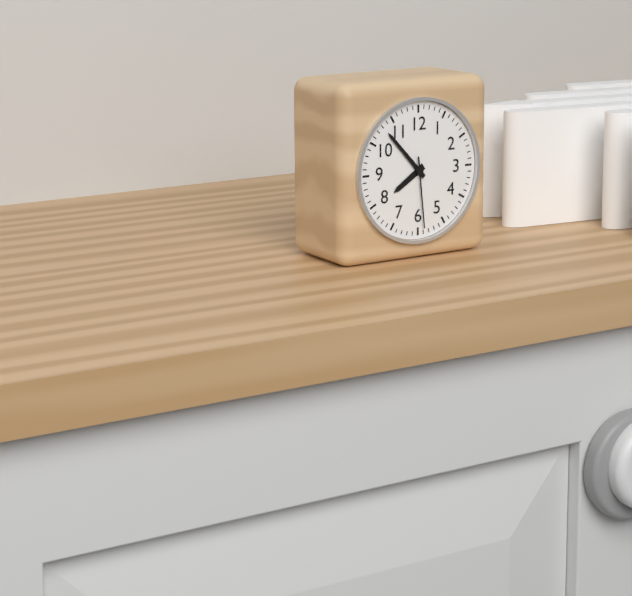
7:53:29
